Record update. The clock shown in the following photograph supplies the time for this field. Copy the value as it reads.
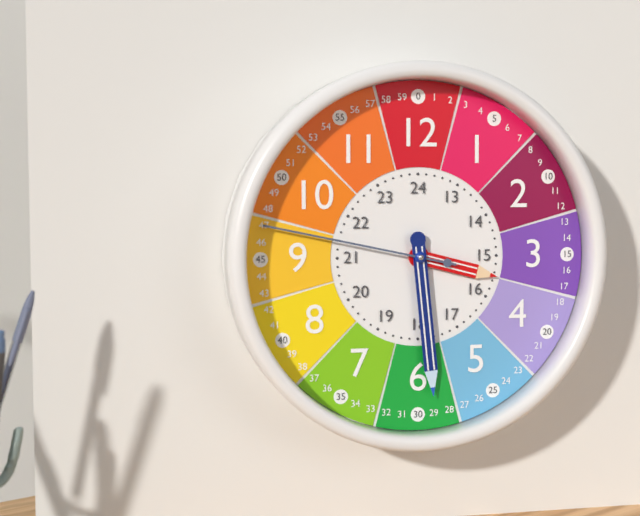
3:29:47
